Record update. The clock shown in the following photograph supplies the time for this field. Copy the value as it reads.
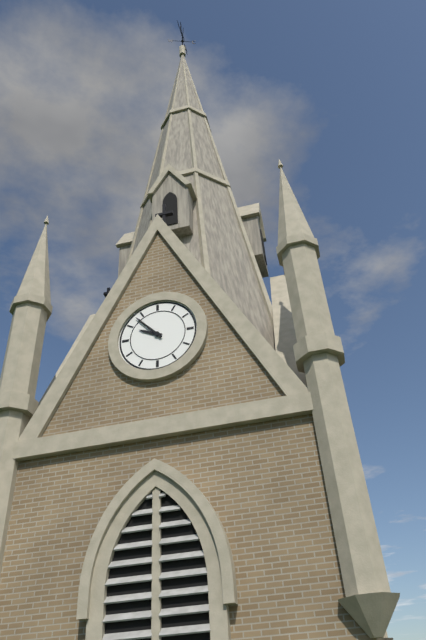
9:53
